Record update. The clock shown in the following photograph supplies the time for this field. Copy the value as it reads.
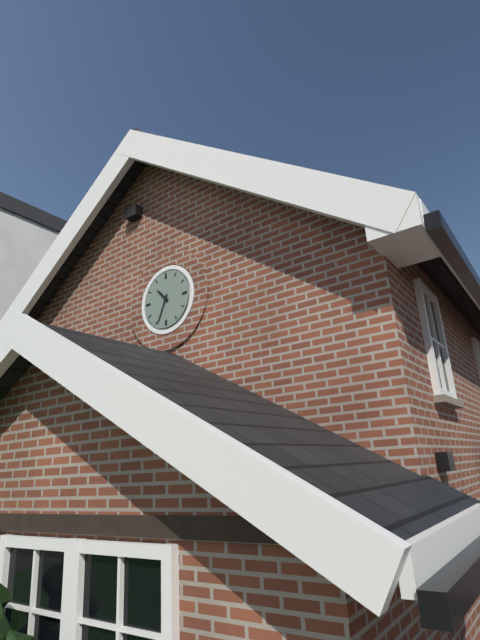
10:34
